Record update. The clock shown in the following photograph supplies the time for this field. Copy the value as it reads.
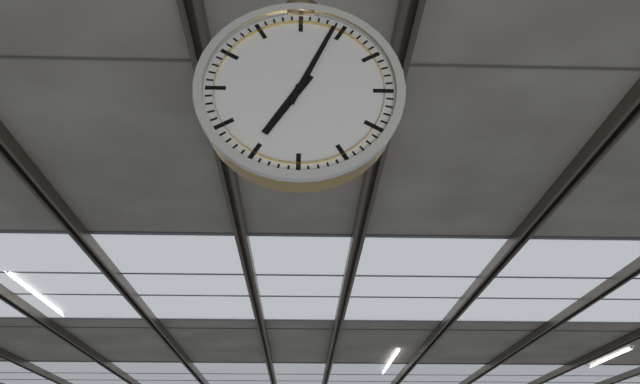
7:04
